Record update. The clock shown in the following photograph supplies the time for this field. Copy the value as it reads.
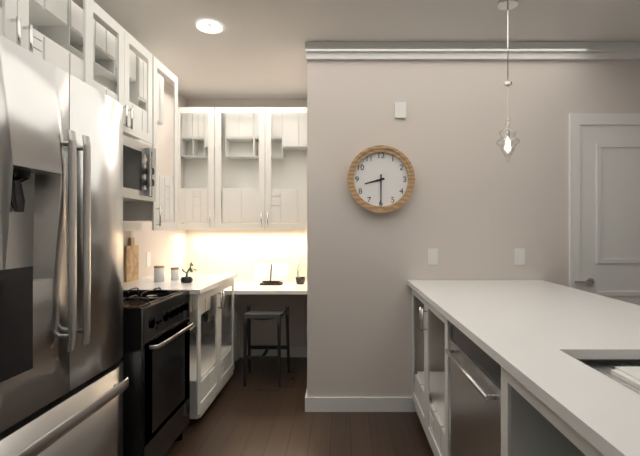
8:30
